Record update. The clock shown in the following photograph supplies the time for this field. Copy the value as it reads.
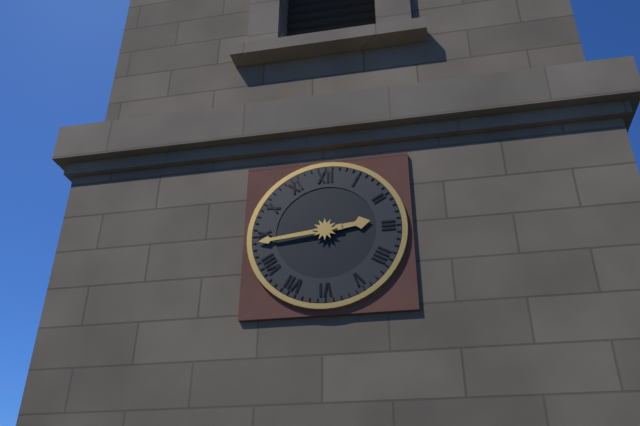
2:44
